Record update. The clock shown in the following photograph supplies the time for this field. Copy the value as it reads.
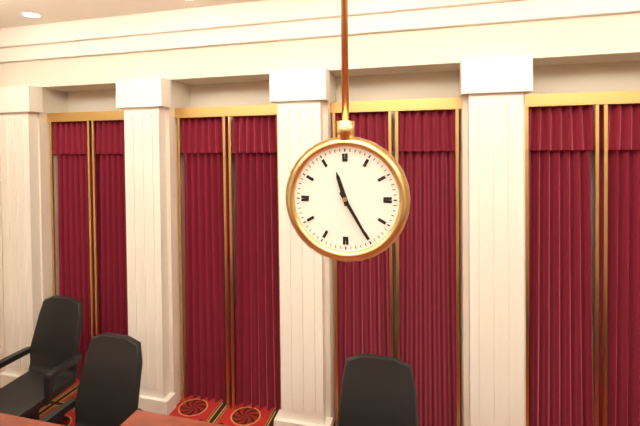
11:25
